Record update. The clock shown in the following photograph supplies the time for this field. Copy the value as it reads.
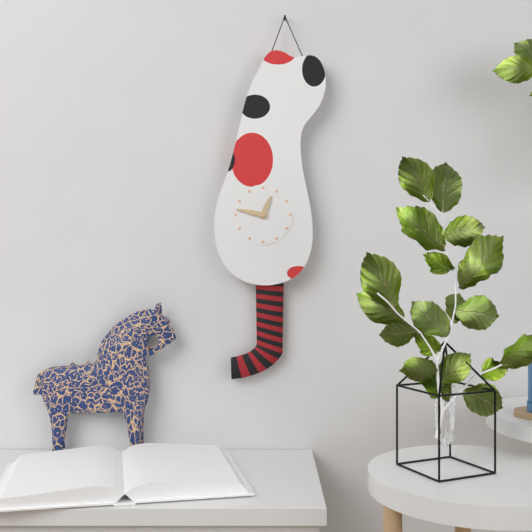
12:47
